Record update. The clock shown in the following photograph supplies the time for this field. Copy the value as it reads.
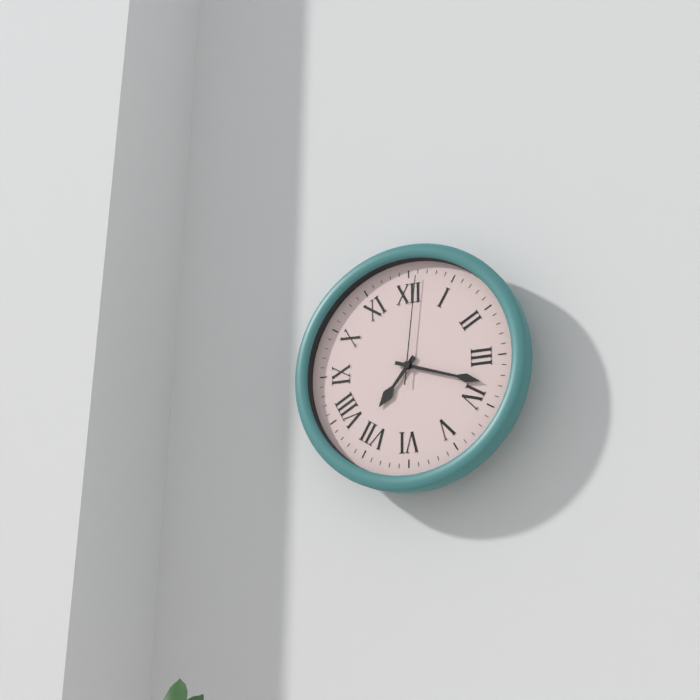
7:18:01
